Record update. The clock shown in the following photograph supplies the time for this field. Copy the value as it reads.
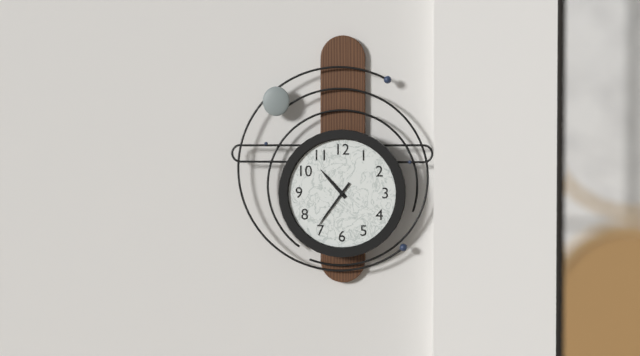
10:36
